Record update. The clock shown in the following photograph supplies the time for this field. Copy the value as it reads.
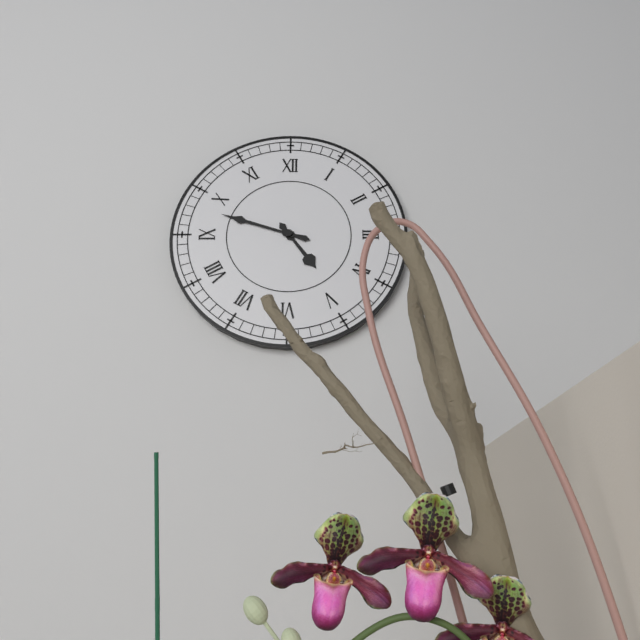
4:48
